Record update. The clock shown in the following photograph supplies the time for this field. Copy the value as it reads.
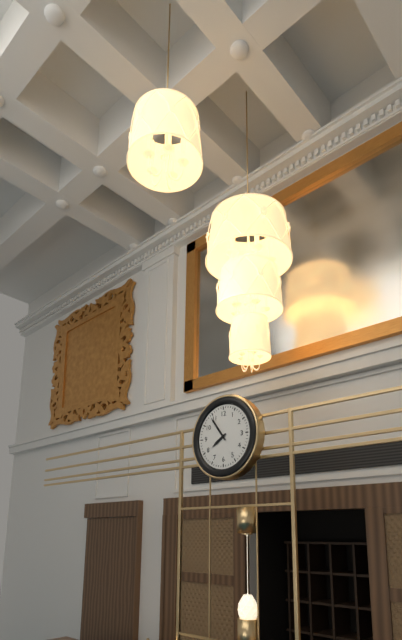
7:54
